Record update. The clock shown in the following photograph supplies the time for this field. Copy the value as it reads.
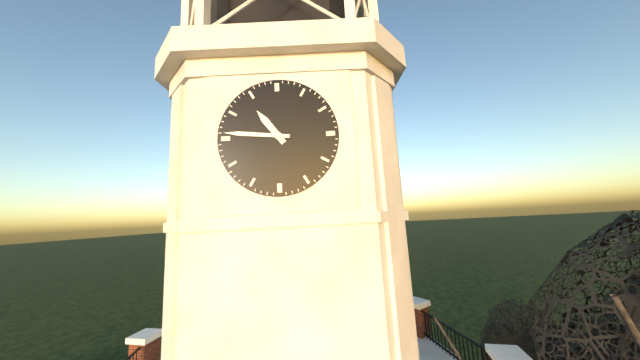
10:46
